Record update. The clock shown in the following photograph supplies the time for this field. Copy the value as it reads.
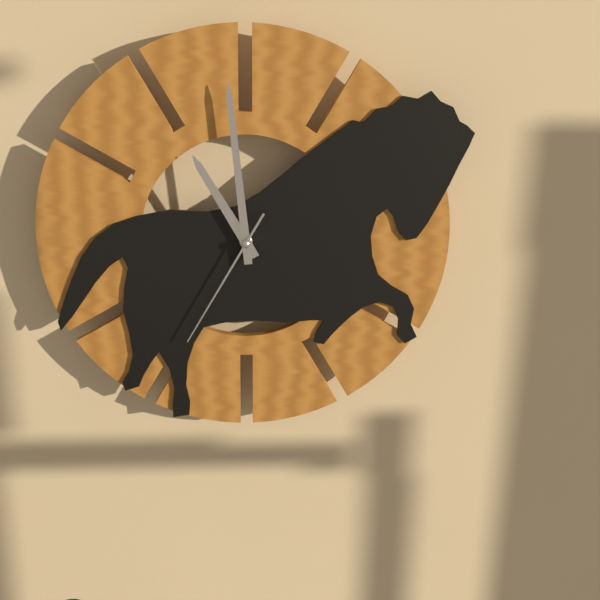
10:59:35
